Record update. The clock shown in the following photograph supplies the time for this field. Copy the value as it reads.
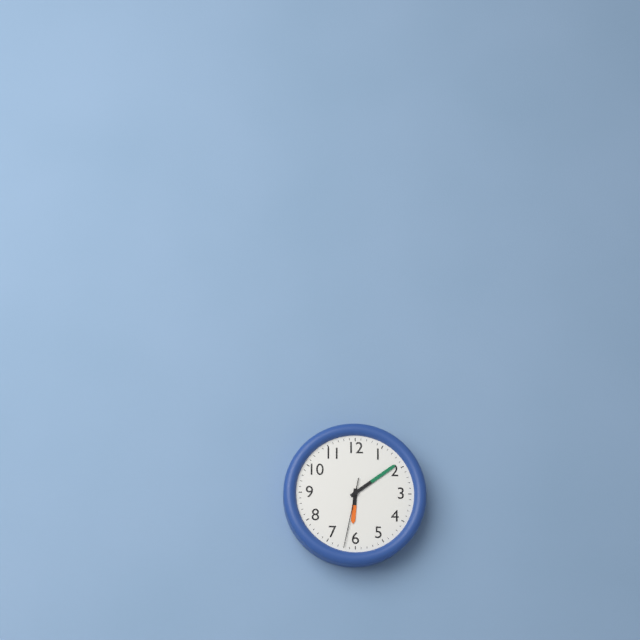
6:09:32
